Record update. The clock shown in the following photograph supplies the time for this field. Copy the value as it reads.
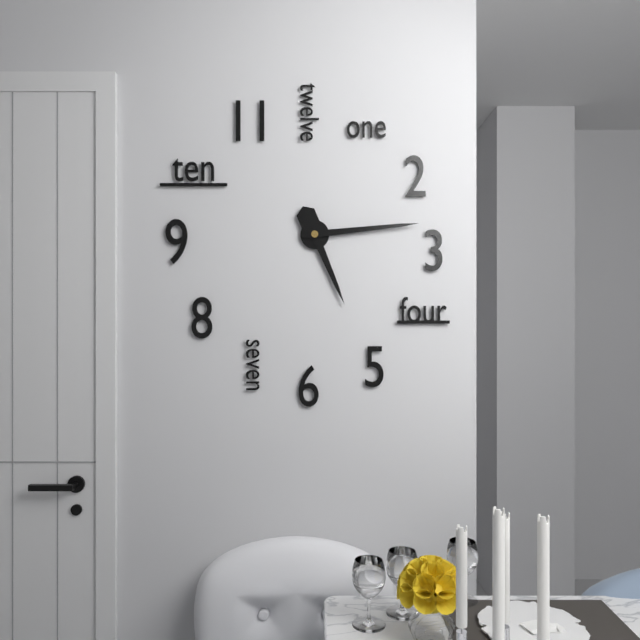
5:14
